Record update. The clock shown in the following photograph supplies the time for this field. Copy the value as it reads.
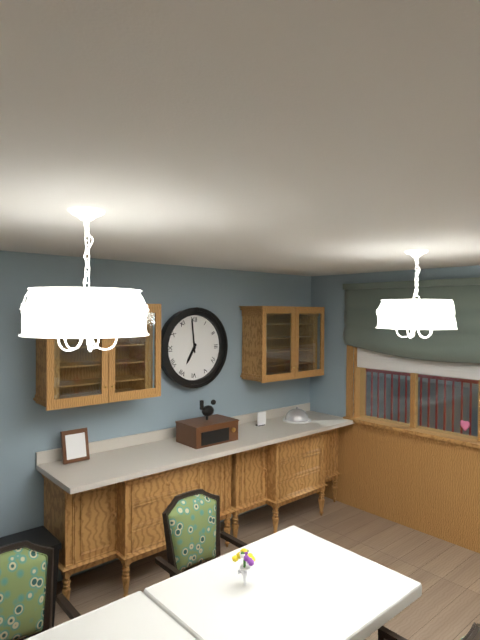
6:59
